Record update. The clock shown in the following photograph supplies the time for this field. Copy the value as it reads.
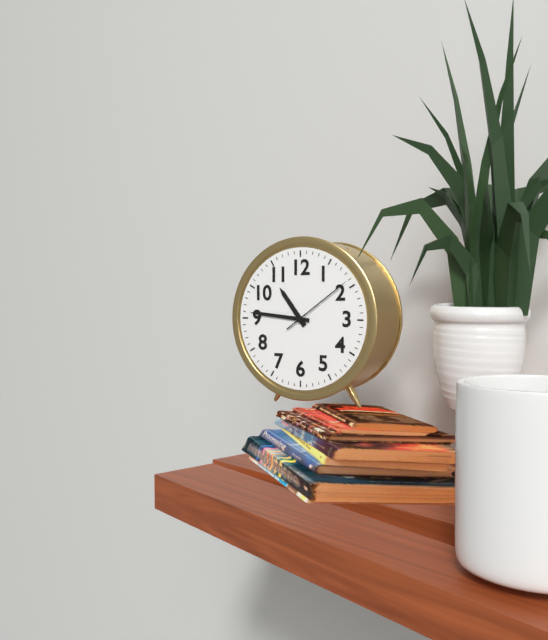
10:46:09
